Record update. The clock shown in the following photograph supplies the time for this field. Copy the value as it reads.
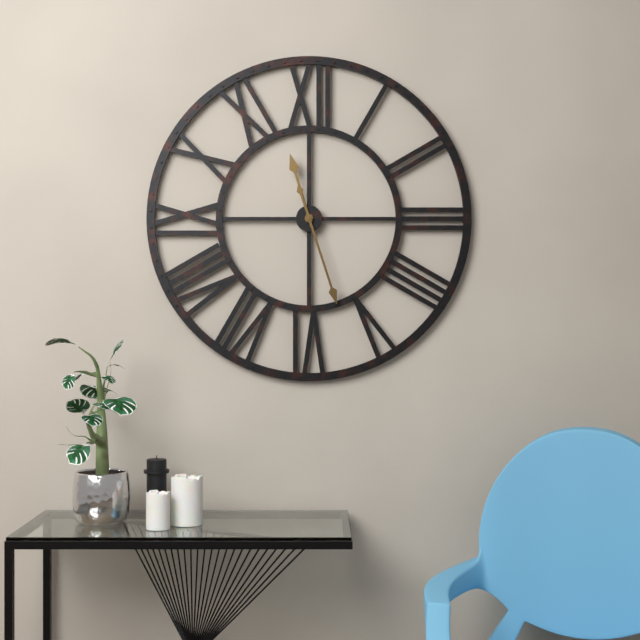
11:27
